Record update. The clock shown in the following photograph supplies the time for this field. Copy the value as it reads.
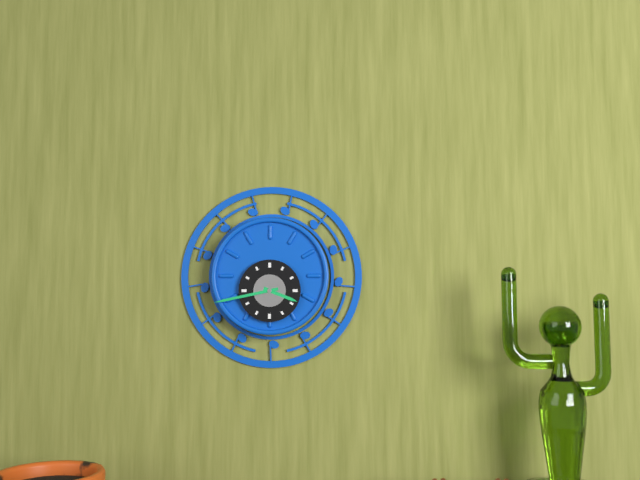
3:43
